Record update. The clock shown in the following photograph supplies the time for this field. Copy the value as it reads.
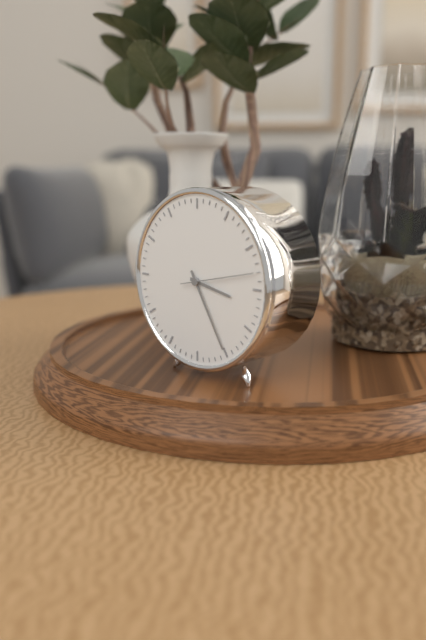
3:25:13
